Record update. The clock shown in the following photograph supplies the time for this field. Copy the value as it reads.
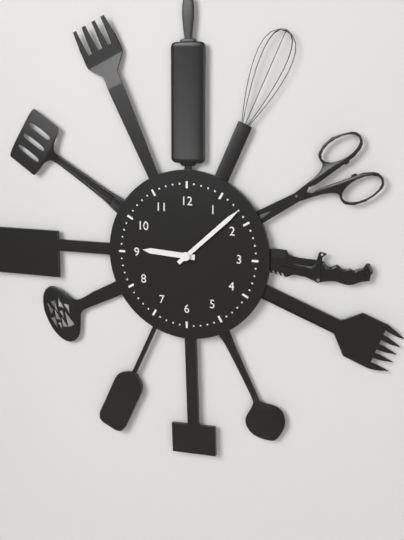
9:08
